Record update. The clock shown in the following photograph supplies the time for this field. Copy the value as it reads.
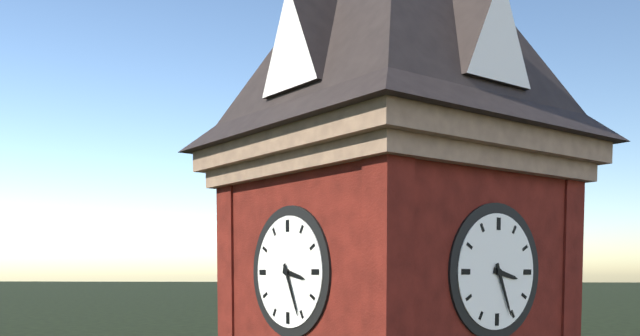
3:26
